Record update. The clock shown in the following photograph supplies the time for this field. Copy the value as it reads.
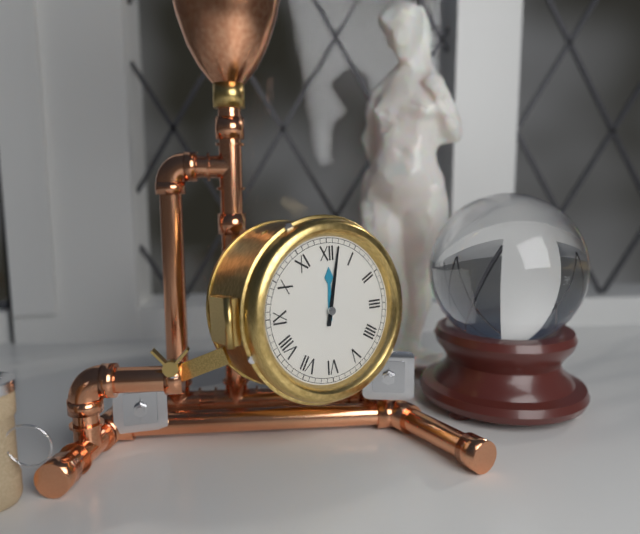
12:02
